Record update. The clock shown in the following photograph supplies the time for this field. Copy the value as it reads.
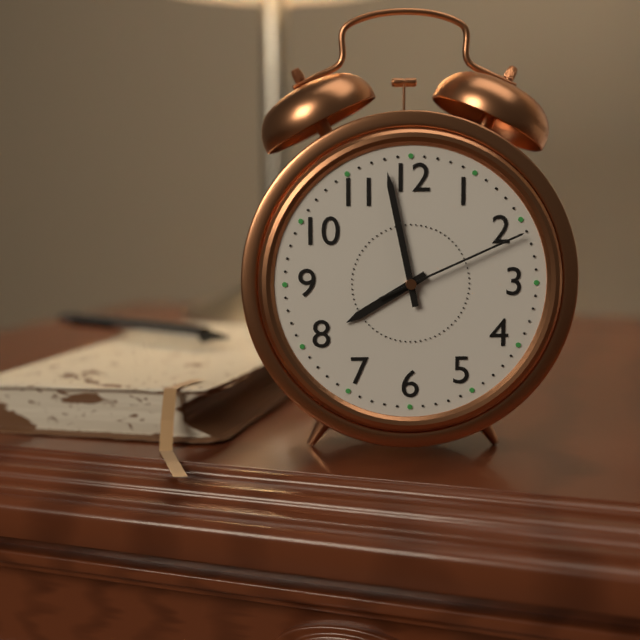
7:58:11
